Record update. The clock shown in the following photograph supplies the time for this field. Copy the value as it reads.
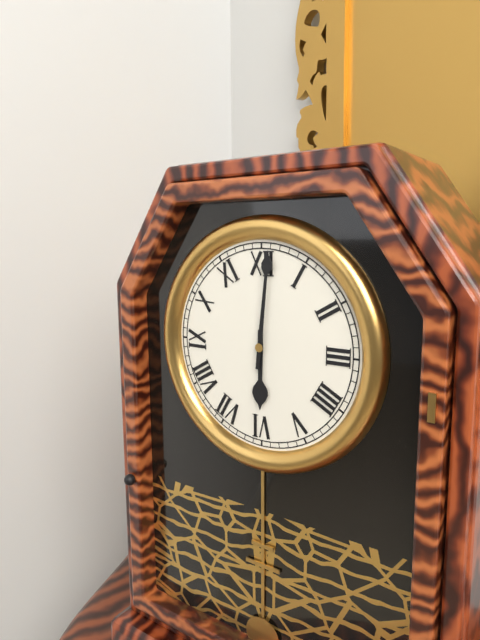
6:01
